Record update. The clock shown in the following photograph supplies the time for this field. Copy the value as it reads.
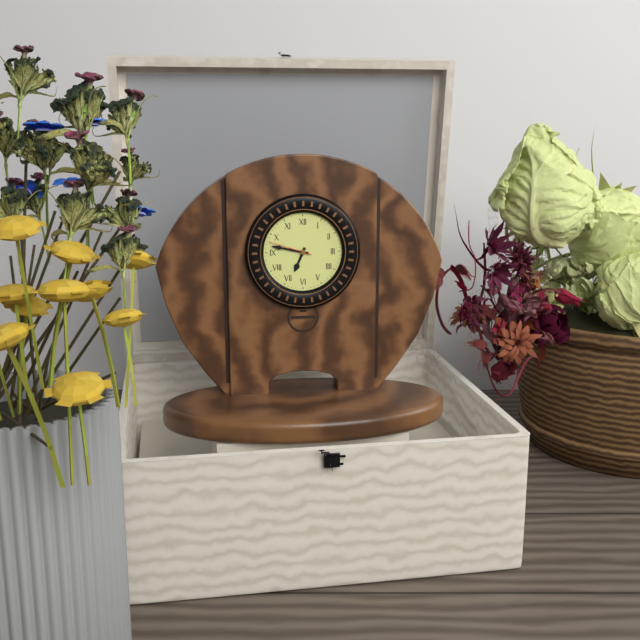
6:47
